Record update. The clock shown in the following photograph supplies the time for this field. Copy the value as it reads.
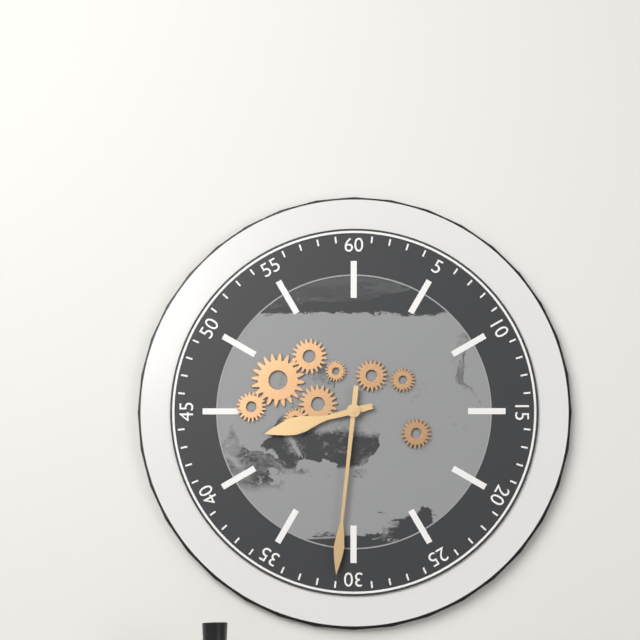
8:31
